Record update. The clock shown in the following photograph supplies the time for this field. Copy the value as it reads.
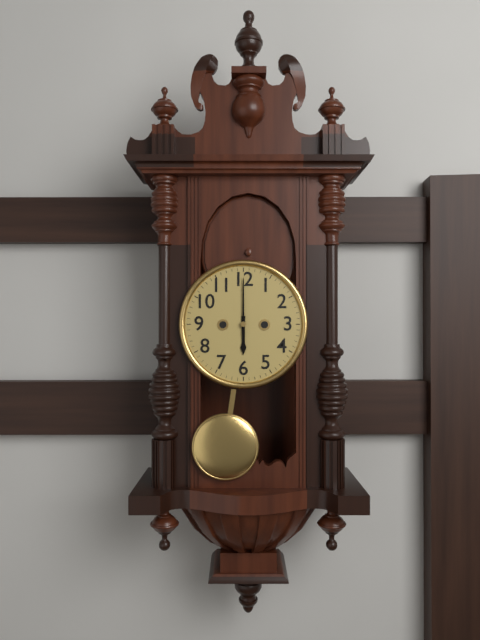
6:00
